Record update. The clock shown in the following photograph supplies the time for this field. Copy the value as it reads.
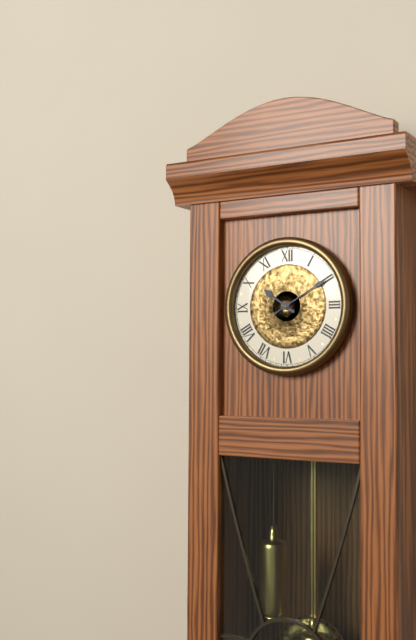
10:10
